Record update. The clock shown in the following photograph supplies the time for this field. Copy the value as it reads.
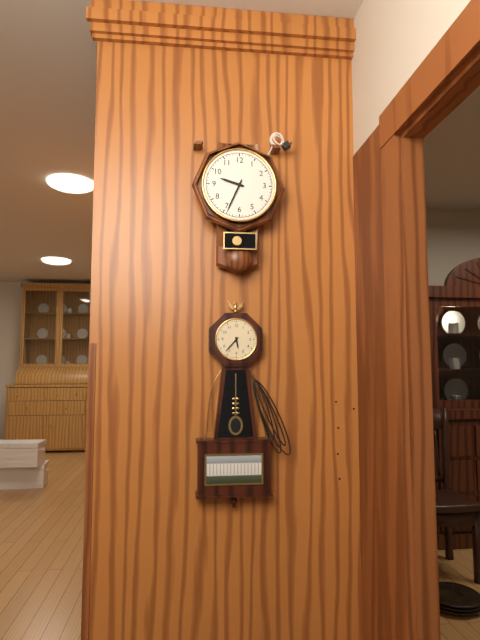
9:34
